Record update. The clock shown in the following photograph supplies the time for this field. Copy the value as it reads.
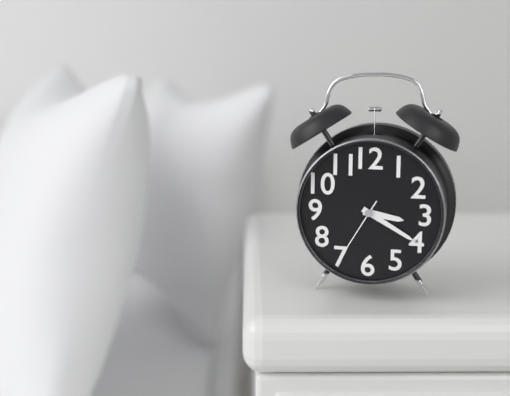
3:20:35
